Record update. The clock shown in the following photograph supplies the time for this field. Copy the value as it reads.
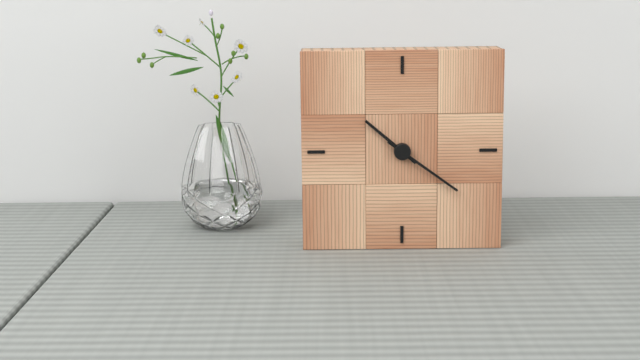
10:21
